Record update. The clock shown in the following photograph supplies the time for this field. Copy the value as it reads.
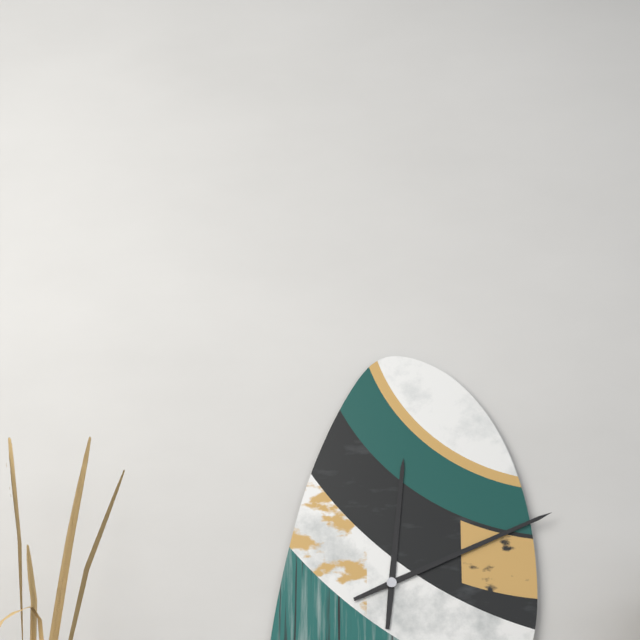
12:11
